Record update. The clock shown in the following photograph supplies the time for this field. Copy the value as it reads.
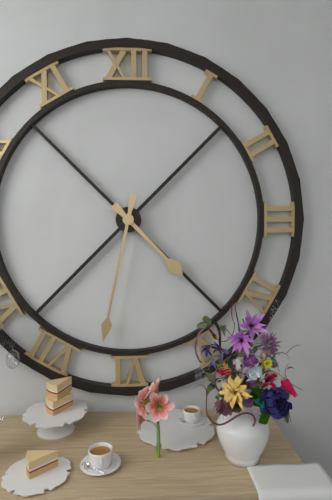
4:32
